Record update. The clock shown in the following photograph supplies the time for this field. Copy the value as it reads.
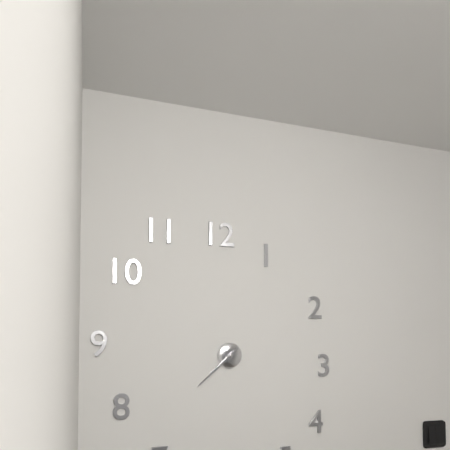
7:38
